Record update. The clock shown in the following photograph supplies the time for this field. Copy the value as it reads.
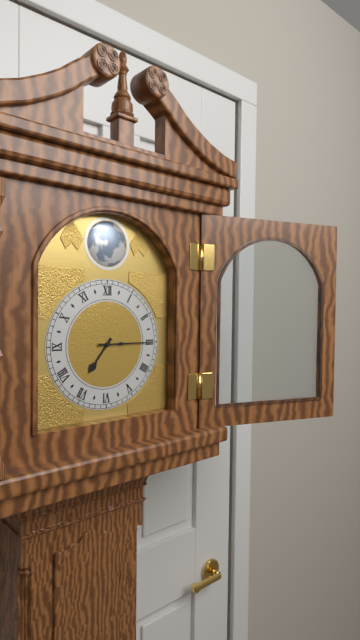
7:15
